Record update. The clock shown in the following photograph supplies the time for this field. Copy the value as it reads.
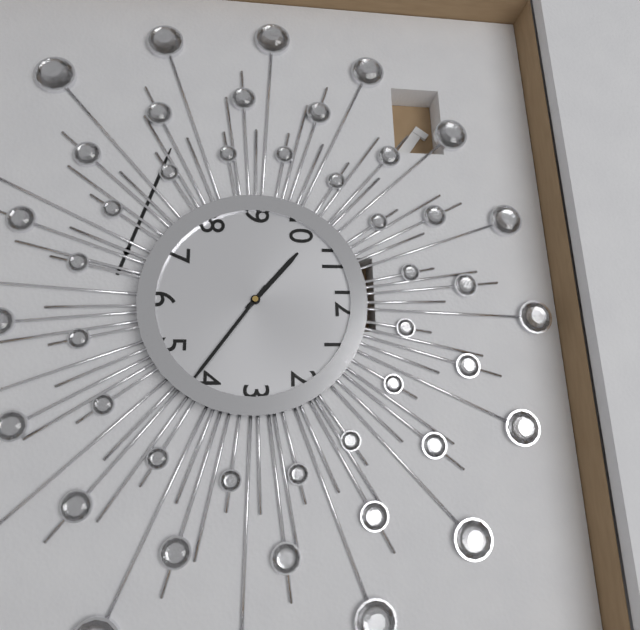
10:21
